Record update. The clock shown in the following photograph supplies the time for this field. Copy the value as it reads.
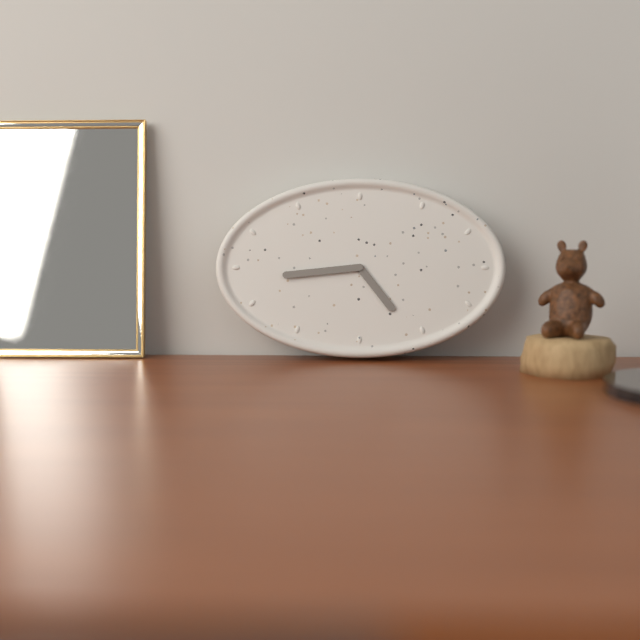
4:44
